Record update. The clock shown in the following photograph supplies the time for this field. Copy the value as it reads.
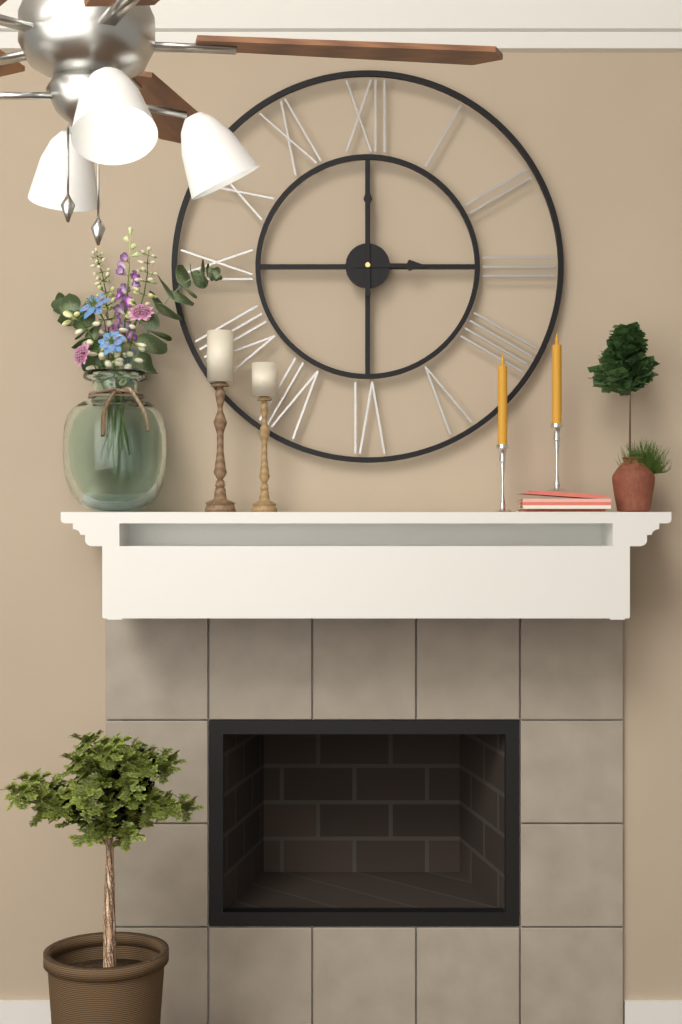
3:00
